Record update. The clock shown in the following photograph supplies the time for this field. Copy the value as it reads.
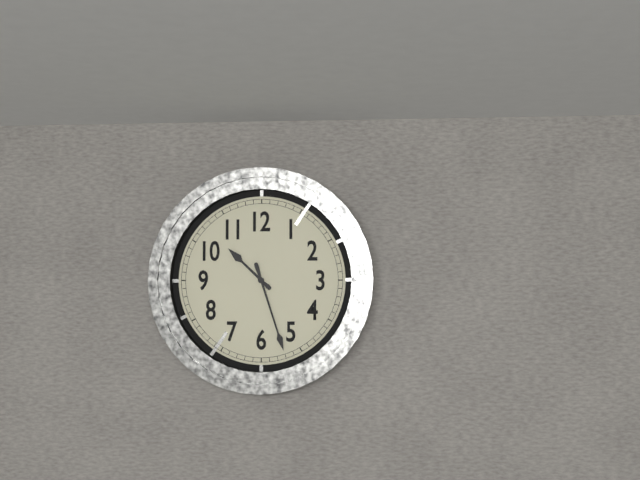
10:27
